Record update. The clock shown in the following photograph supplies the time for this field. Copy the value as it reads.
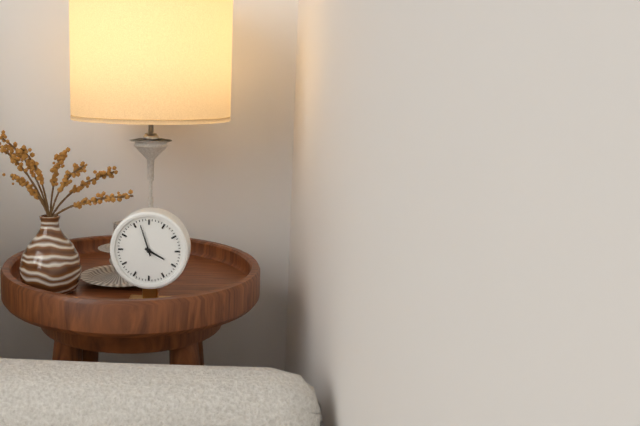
3:57
